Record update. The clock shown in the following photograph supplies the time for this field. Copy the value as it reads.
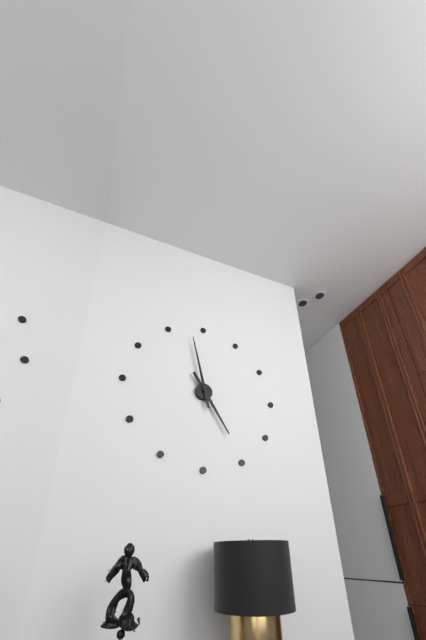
4:58
